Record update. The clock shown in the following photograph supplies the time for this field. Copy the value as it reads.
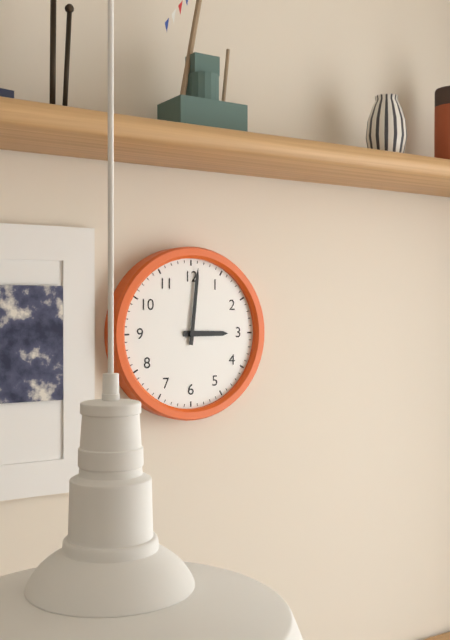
3:01
